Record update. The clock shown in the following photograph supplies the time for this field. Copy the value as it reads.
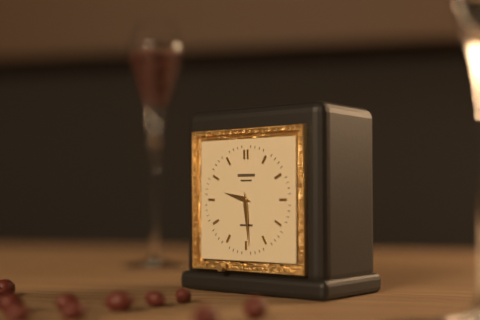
9:29
